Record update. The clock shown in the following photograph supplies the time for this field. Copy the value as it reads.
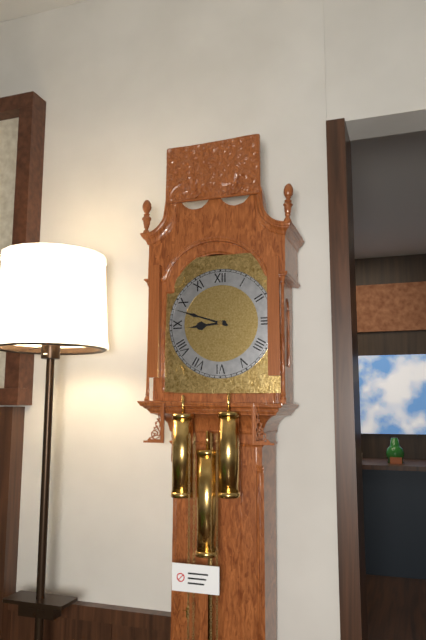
8:48
